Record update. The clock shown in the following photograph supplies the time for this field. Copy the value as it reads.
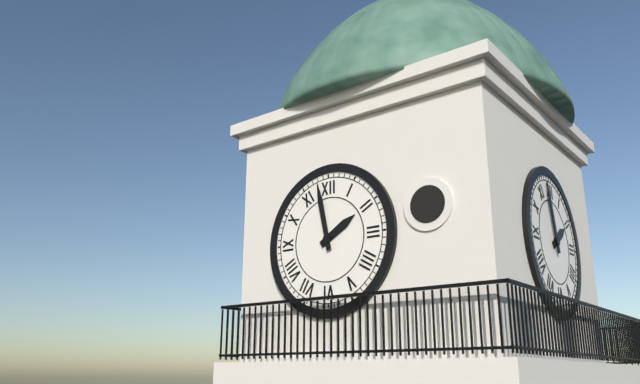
1:58
